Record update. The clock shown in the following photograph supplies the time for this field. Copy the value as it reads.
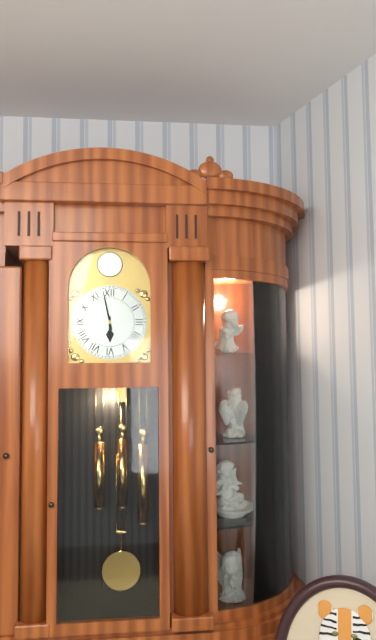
5:58
